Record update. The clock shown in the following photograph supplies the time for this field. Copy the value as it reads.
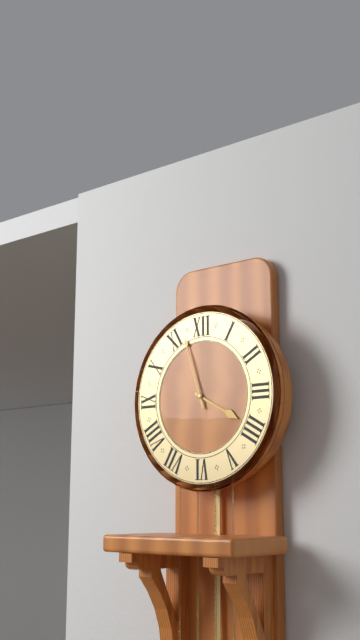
3:57
